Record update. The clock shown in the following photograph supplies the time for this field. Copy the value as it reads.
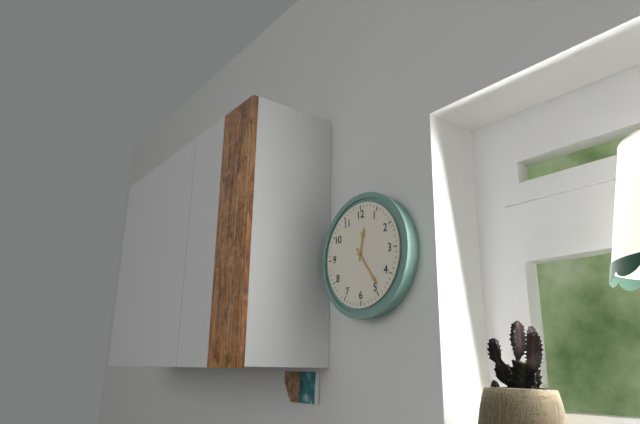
12:24
